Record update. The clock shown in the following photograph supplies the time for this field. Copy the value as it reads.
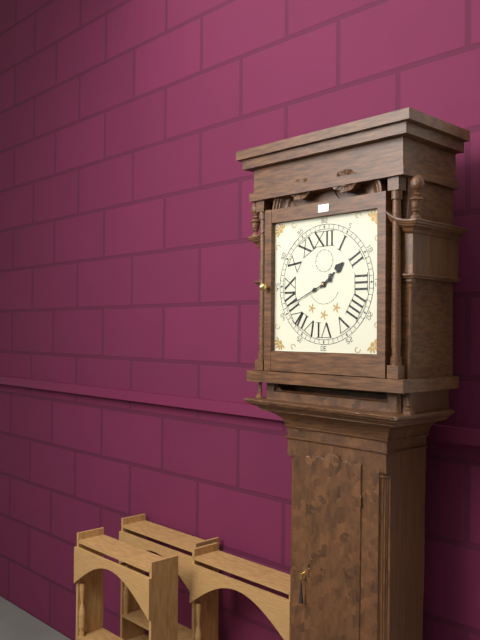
1:41
